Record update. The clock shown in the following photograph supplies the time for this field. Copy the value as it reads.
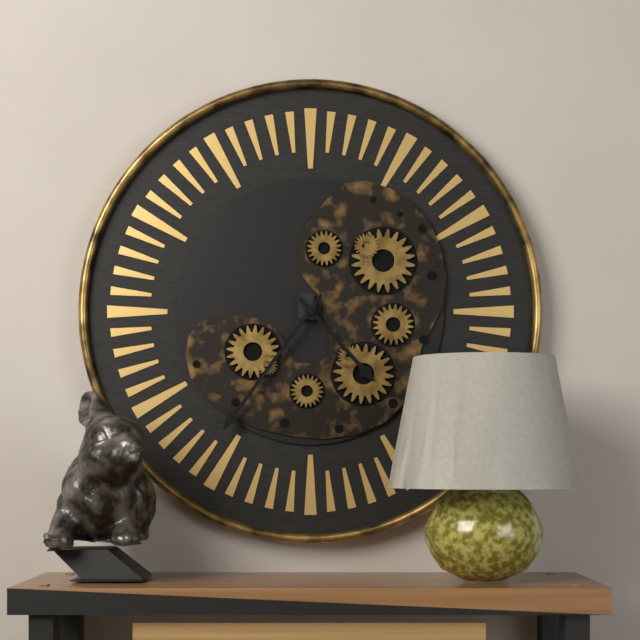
4:36
